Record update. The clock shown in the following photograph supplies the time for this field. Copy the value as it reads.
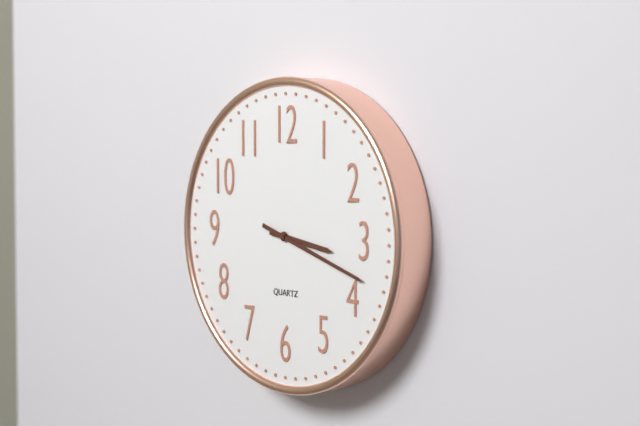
3:18
